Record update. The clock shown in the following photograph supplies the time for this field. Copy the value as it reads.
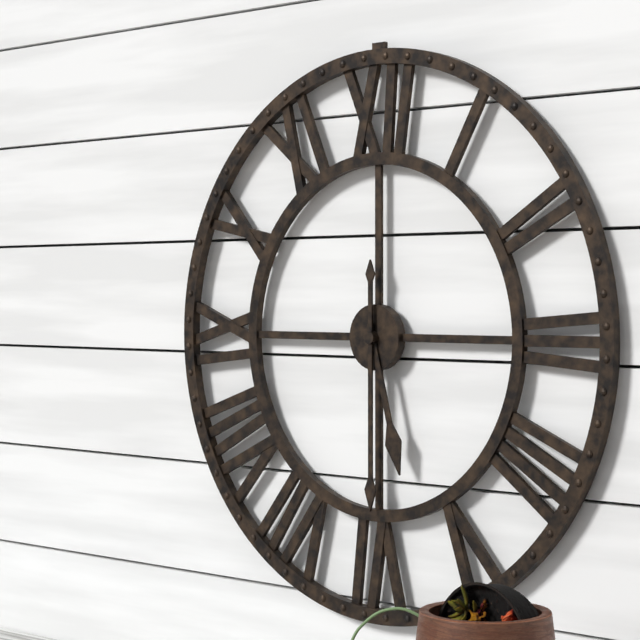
5:30
